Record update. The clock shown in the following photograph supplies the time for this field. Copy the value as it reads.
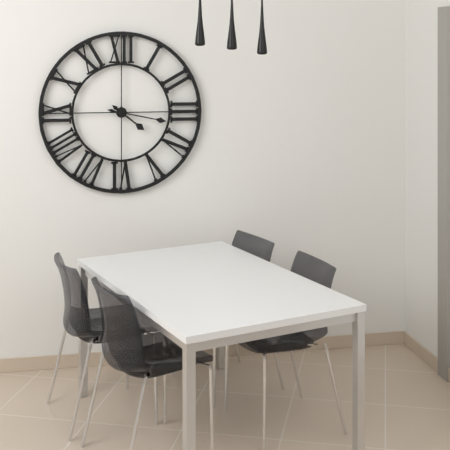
4:17
